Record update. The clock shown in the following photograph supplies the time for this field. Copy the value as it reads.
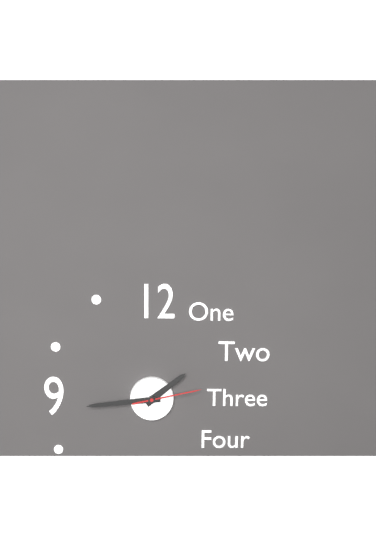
1:44:13
